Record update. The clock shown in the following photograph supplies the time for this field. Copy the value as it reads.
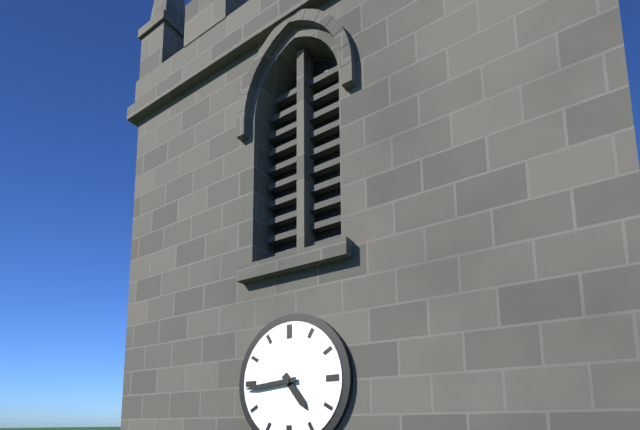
4:44
